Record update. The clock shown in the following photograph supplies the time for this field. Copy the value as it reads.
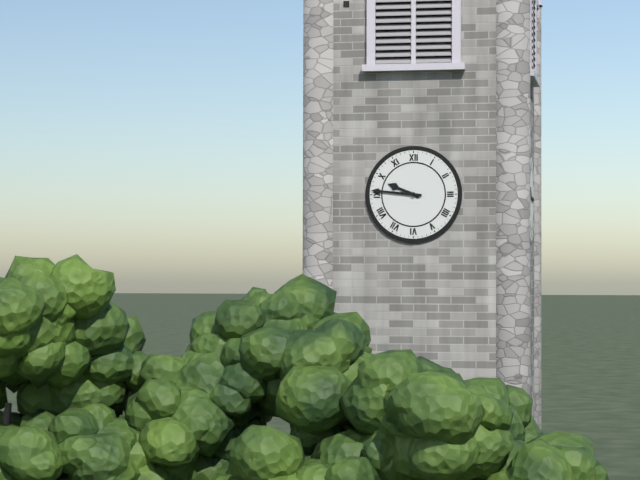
9:46
